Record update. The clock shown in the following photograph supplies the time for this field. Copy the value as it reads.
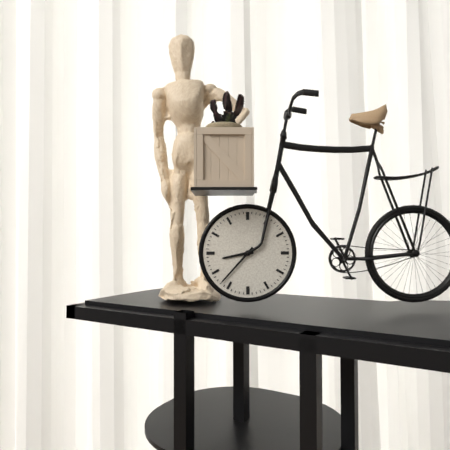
8:37
